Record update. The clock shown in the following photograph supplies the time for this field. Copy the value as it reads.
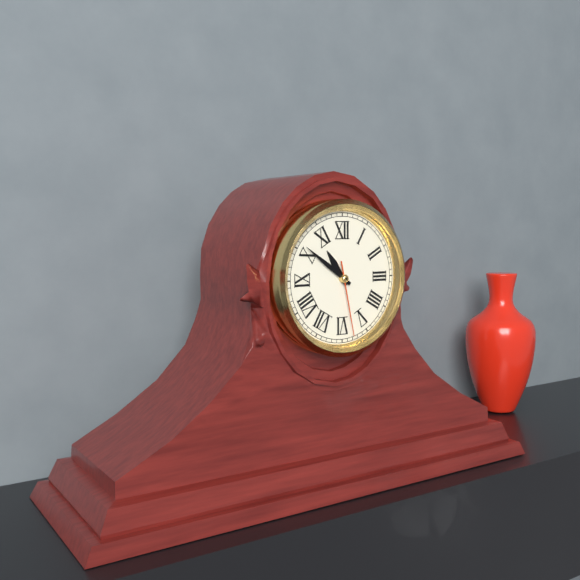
10:51:28
